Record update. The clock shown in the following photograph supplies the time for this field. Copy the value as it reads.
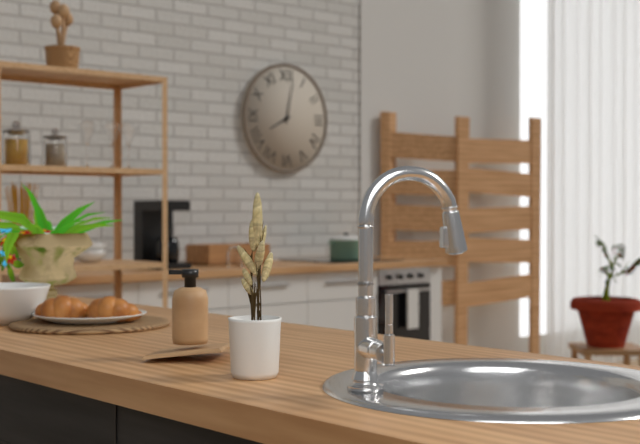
8:02
